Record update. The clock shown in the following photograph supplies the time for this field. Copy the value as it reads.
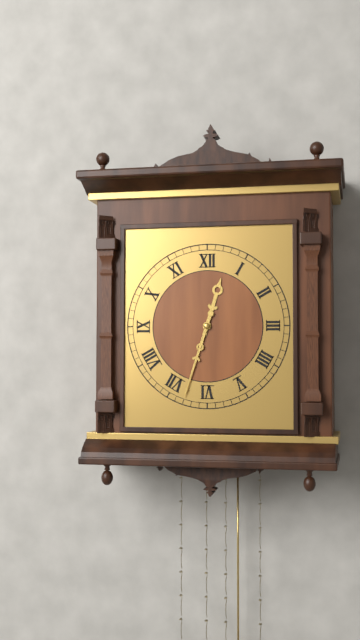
12:33
